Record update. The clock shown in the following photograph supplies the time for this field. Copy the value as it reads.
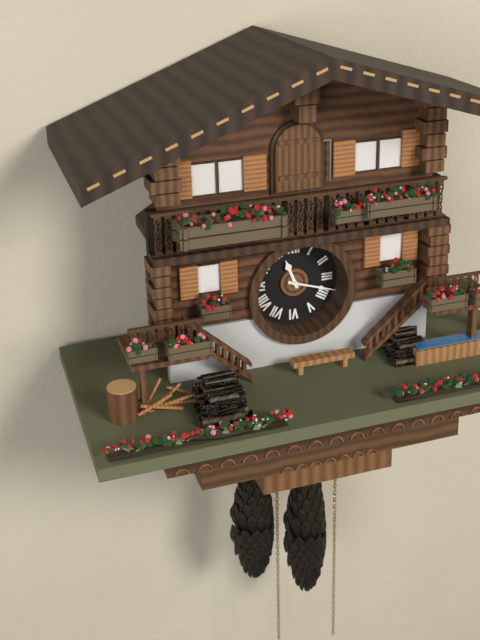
11:18
